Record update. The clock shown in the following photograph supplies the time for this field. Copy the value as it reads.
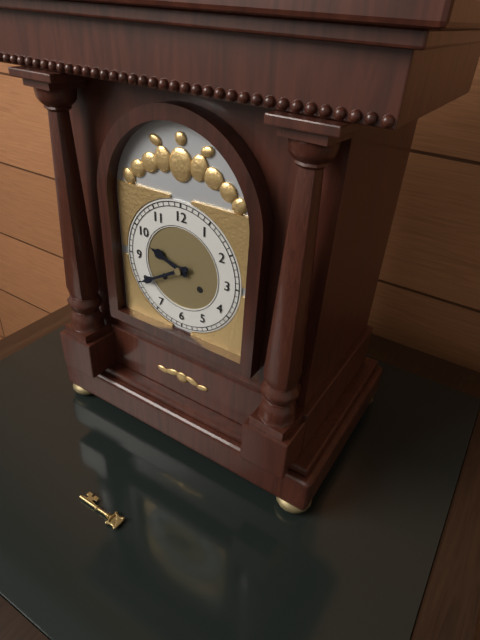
9:40
